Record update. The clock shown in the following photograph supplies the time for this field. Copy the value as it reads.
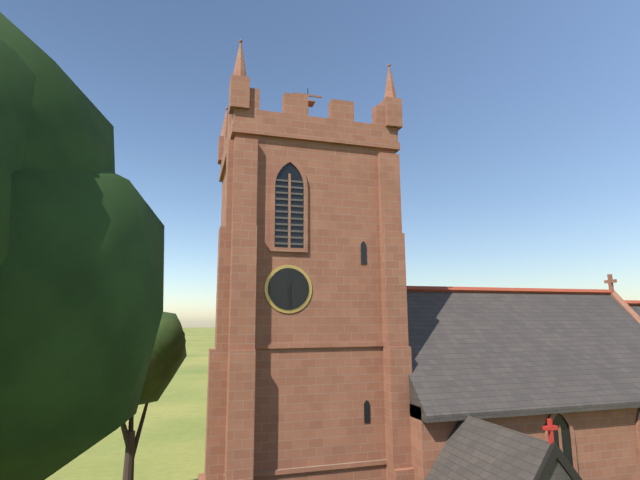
12:29
